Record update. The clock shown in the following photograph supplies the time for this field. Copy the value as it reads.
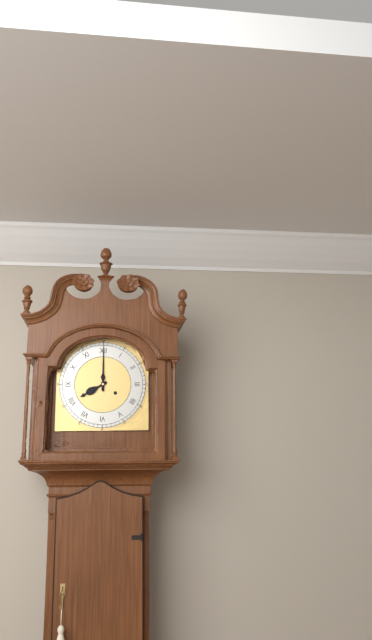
8:00
